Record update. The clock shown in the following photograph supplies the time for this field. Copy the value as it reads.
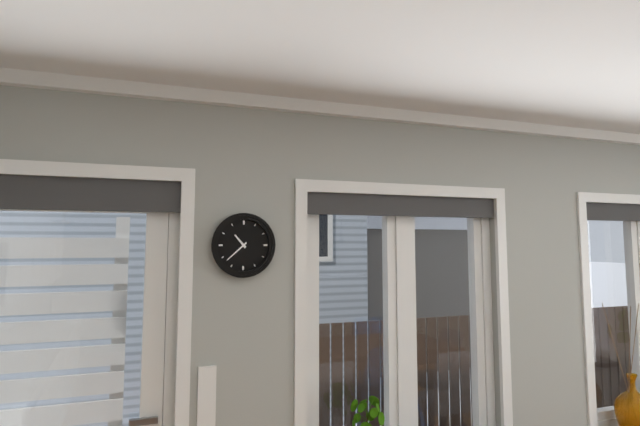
10:38
